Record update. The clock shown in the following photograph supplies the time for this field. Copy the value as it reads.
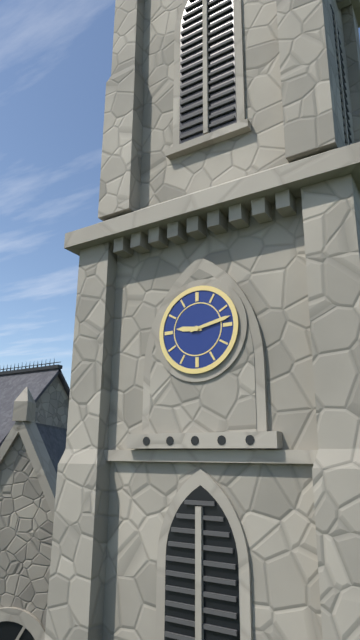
9:13
